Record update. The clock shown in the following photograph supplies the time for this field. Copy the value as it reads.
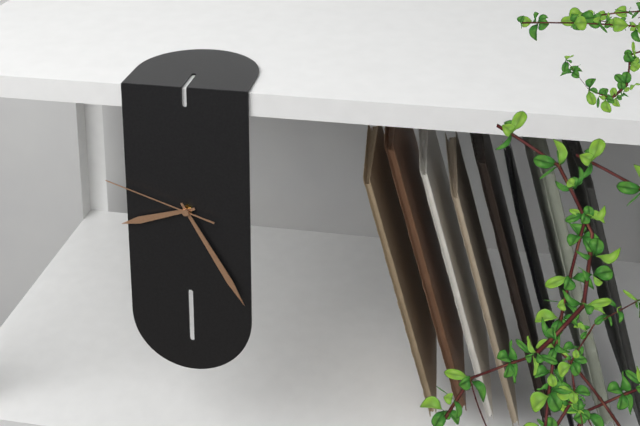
8:25:48
